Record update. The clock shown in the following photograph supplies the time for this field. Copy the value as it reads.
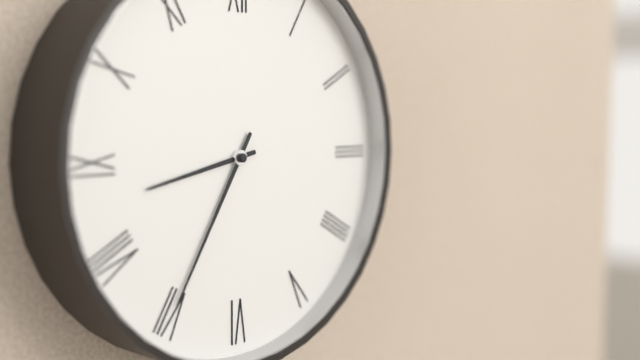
8:35
